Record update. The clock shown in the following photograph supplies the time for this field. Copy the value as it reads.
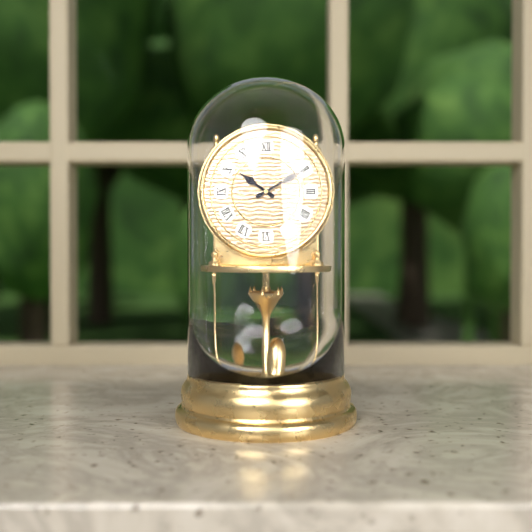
10:10
